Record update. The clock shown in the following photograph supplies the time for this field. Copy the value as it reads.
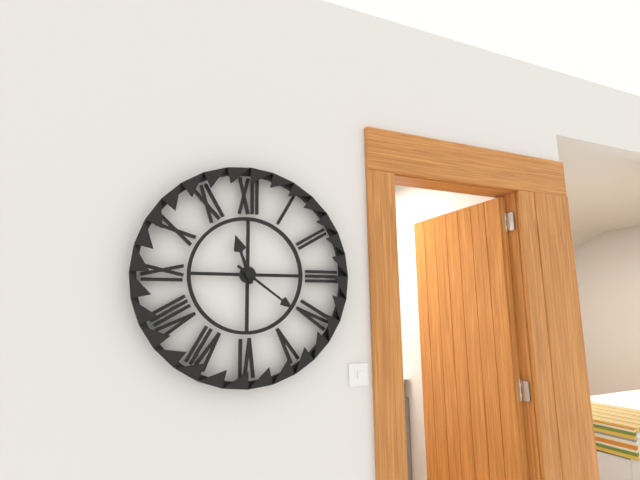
11:21
